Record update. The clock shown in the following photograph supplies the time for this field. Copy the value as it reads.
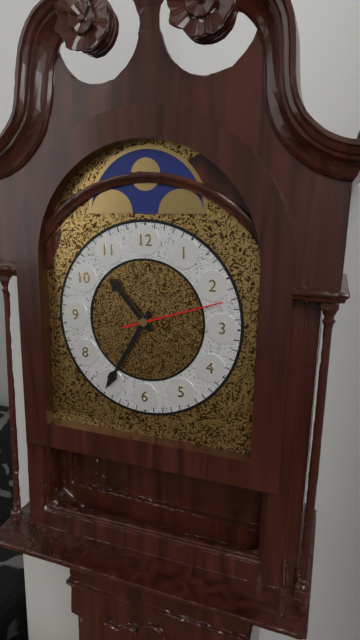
10:35:12
